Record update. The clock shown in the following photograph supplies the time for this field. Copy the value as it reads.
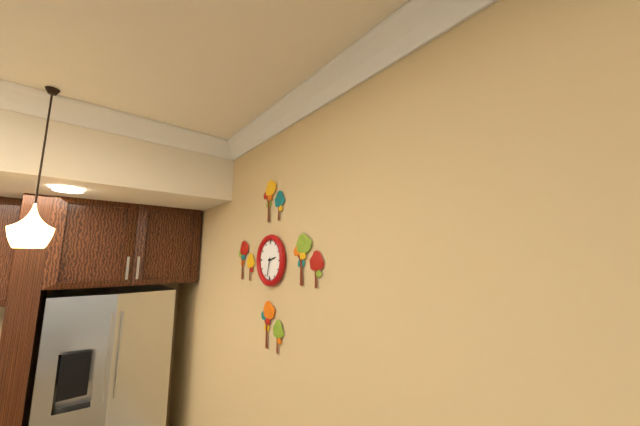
2:32
